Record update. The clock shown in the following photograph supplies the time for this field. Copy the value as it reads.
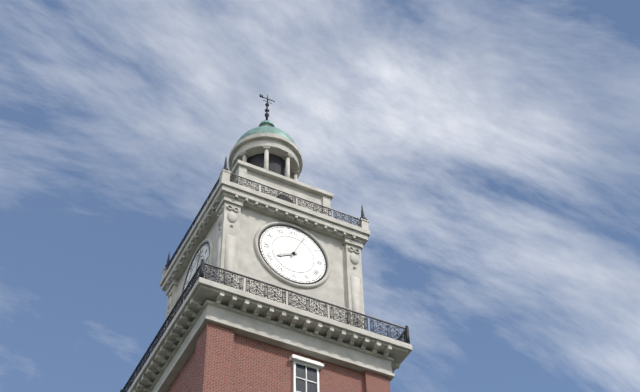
8:04
